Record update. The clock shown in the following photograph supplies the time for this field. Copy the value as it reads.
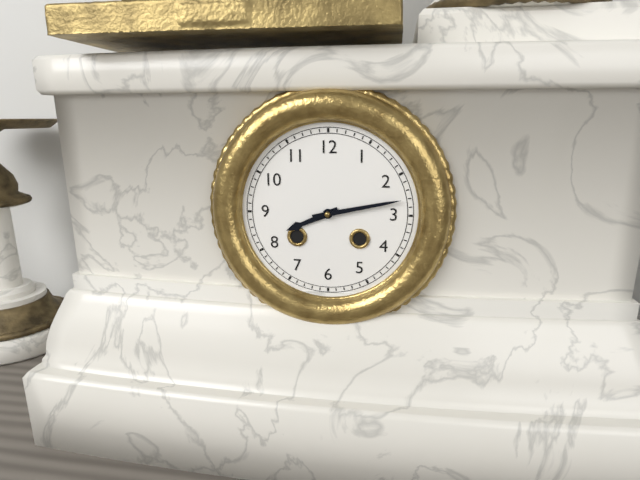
8:13
